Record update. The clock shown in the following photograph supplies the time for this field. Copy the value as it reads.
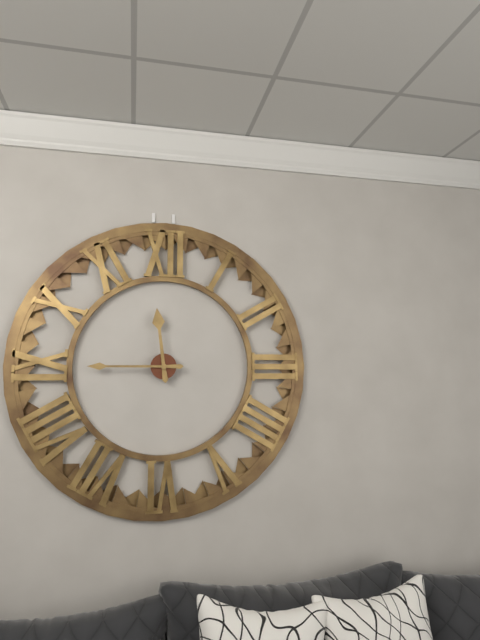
11:45
